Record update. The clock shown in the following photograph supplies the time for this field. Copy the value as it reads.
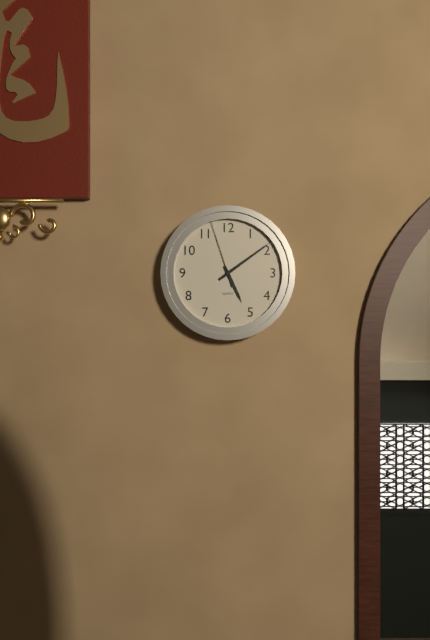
5:09:57
